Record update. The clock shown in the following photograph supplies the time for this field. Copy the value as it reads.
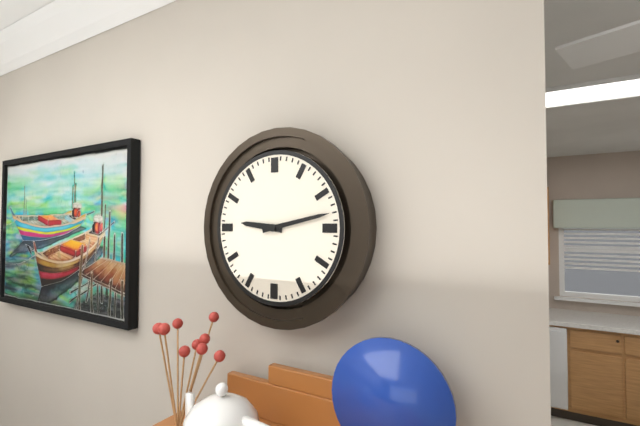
9:13
